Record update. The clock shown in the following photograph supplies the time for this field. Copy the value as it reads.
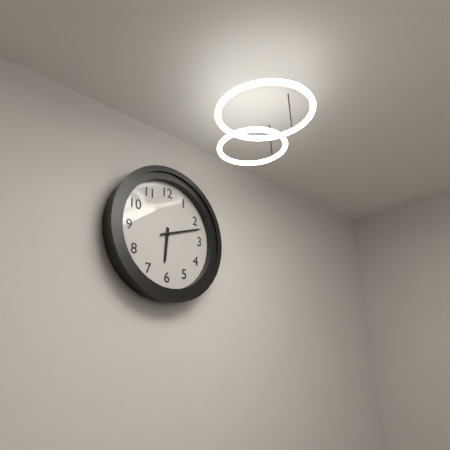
6:12
